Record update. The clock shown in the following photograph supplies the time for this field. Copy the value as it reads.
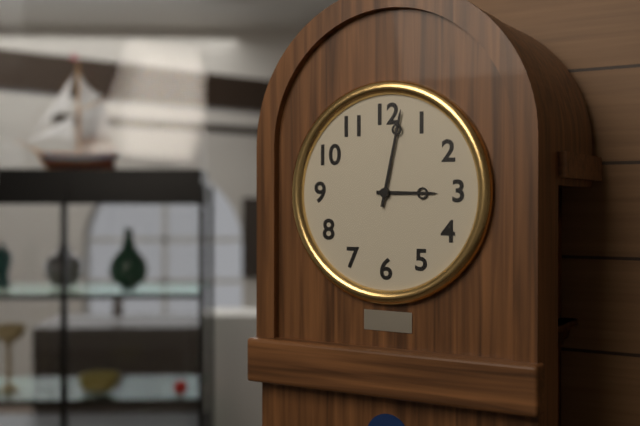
3:02
